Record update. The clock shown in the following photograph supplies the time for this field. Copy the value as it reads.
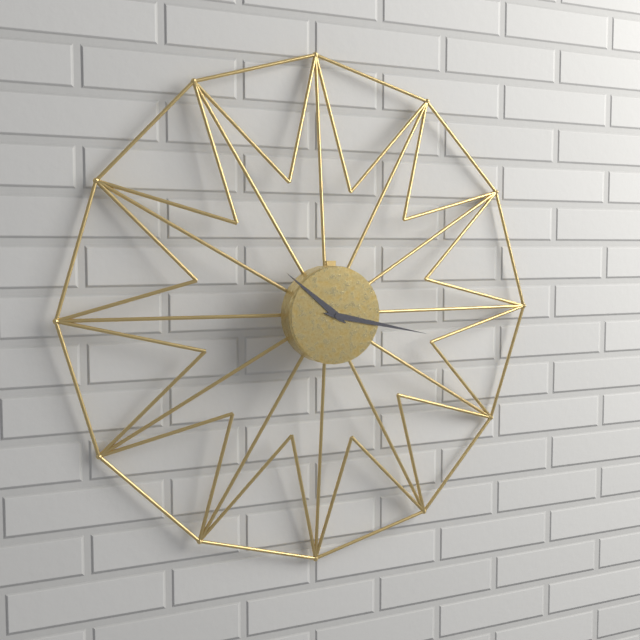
10:17
